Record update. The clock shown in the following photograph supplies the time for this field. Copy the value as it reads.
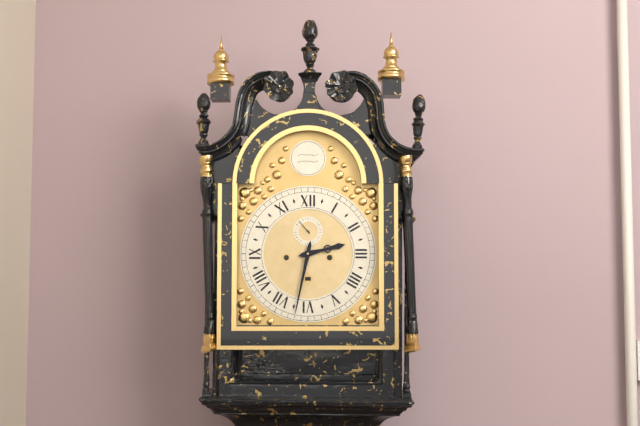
2:32
